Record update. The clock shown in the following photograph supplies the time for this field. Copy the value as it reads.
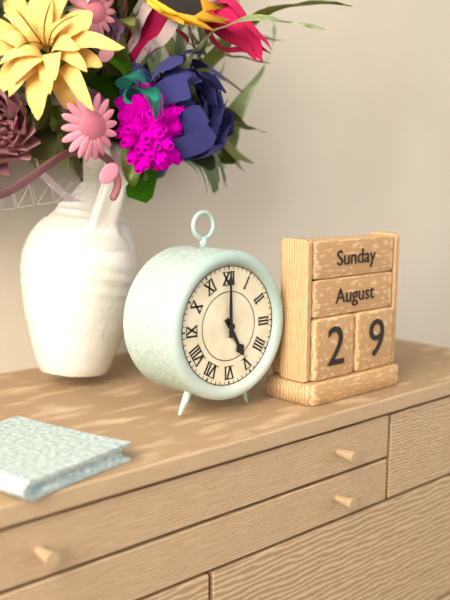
5:00
